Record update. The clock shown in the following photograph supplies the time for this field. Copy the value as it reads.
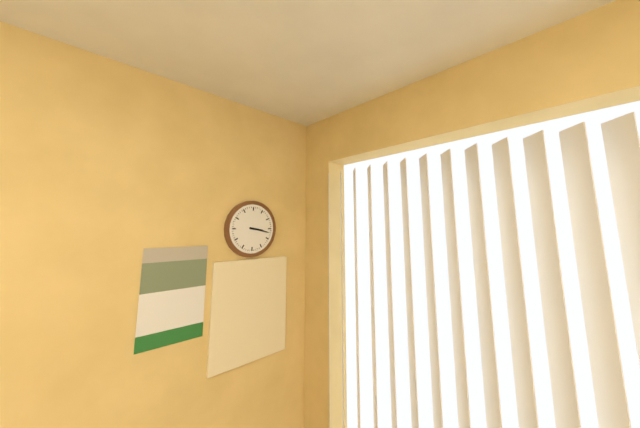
3:17
